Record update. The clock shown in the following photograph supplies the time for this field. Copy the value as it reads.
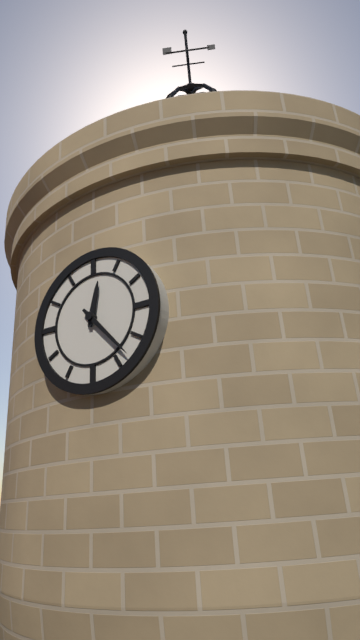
12:23
